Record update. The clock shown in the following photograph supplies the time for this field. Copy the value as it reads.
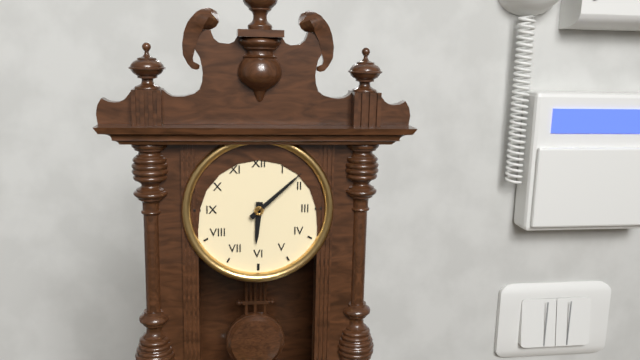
6:08
